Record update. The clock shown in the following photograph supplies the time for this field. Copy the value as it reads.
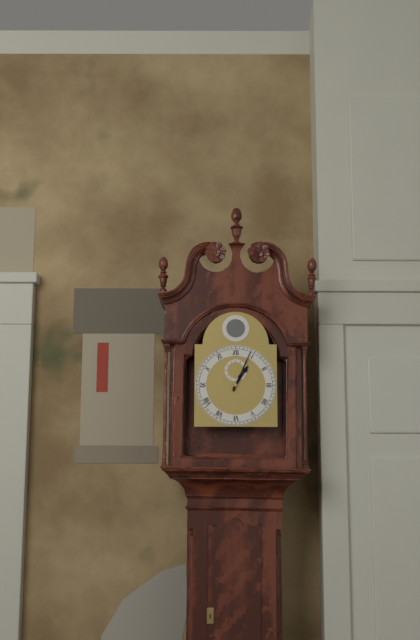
1:04
